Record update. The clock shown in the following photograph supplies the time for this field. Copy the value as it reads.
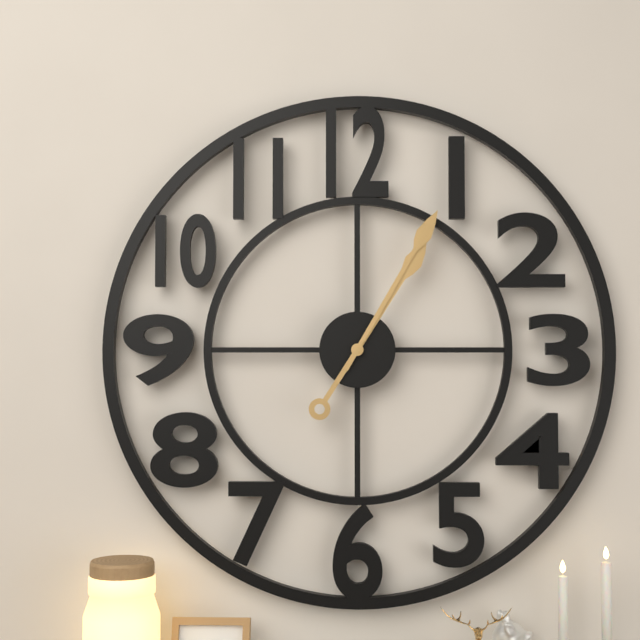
1:05
